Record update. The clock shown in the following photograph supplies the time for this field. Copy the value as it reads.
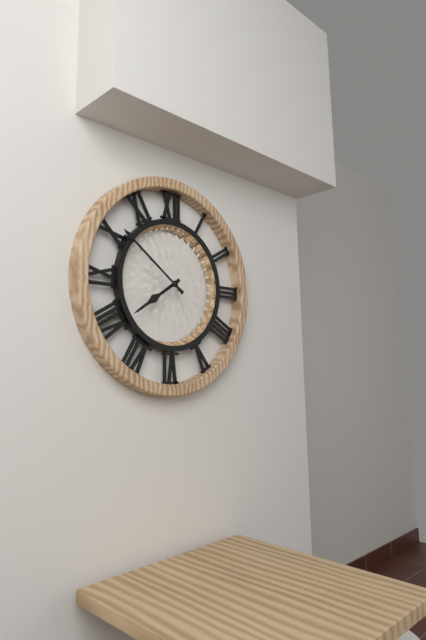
7:51
